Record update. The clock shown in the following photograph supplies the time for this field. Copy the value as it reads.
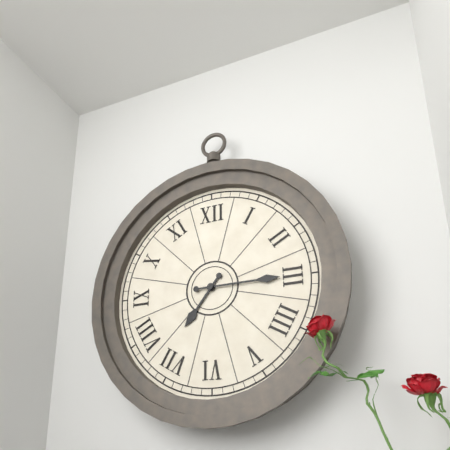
7:15
